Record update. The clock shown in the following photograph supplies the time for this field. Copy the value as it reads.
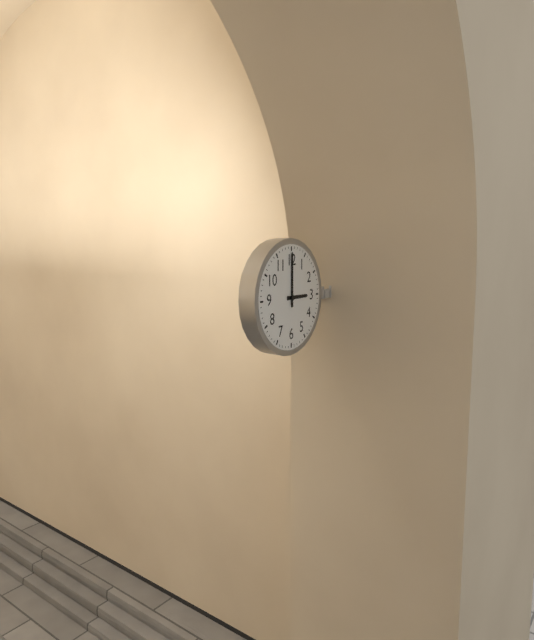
3:00
